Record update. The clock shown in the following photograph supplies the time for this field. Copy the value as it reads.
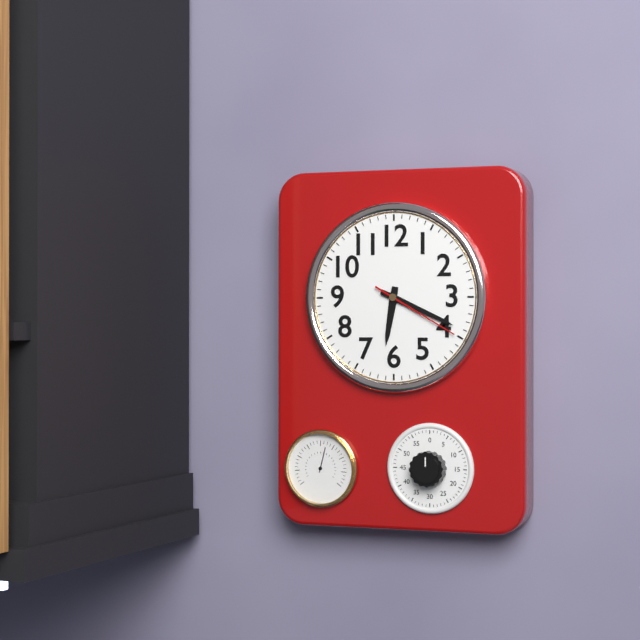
6:19:20
